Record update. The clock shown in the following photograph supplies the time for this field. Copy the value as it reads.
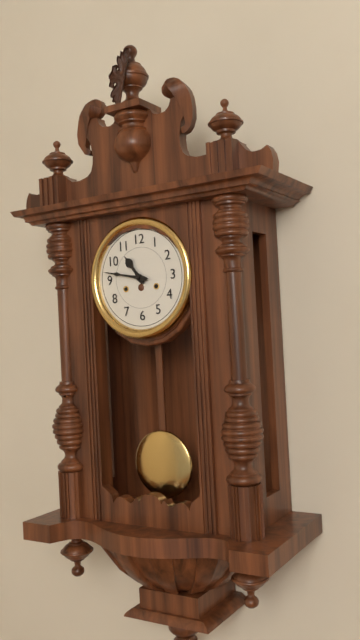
10:47
